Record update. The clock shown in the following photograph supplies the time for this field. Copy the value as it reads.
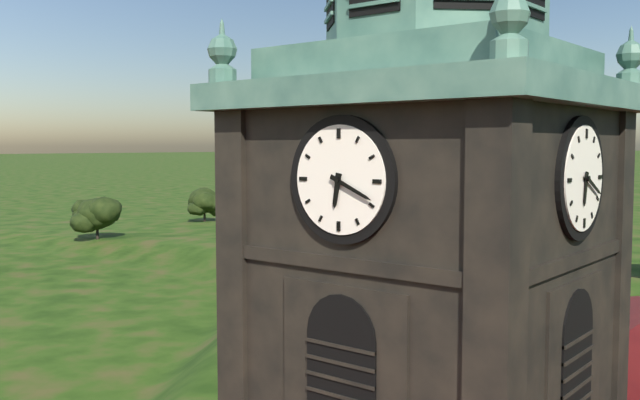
6:19
